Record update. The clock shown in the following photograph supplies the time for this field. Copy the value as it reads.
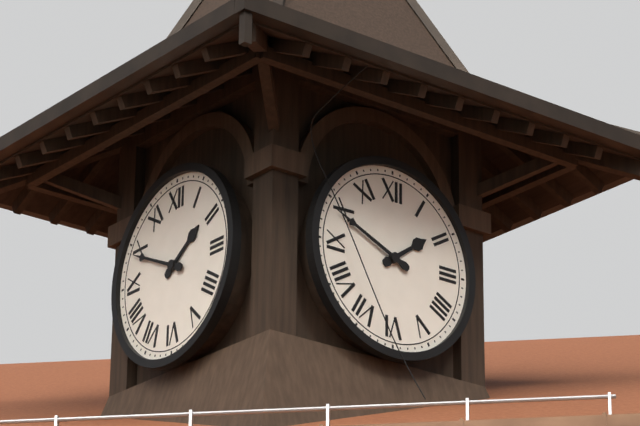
1:49
